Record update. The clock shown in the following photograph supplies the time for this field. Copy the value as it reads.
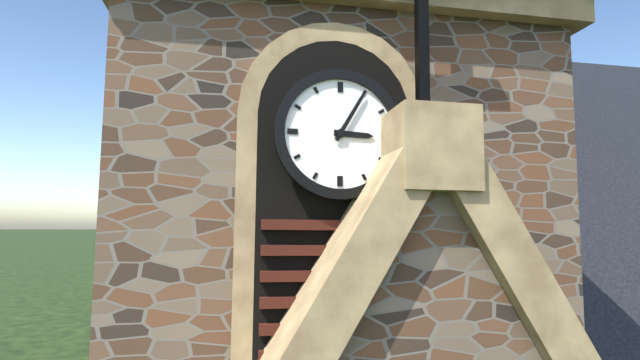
3:05
